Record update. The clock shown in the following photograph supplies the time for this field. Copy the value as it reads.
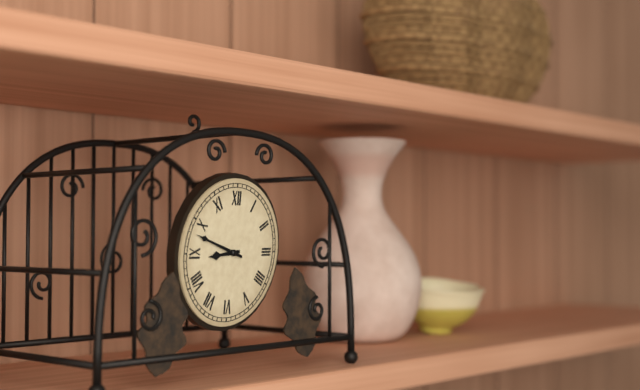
8:48
